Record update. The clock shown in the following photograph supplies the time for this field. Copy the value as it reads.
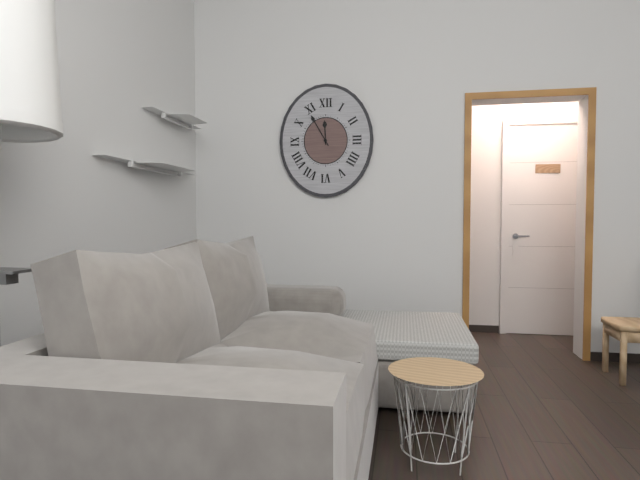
11:55
